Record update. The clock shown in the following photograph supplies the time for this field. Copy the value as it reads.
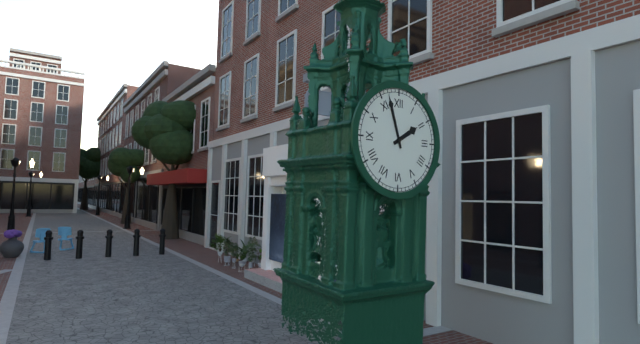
1:57
